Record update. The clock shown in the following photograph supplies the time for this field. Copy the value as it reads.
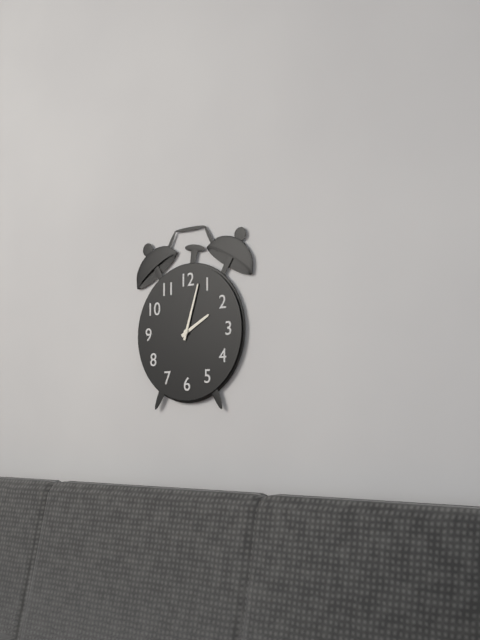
2:03
